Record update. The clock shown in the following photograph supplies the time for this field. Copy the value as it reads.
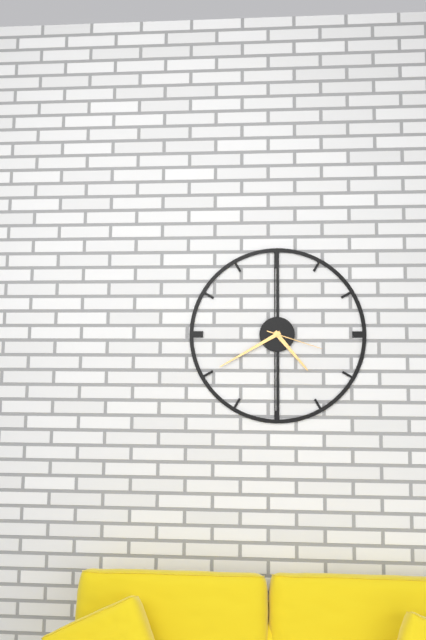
4:40:18
